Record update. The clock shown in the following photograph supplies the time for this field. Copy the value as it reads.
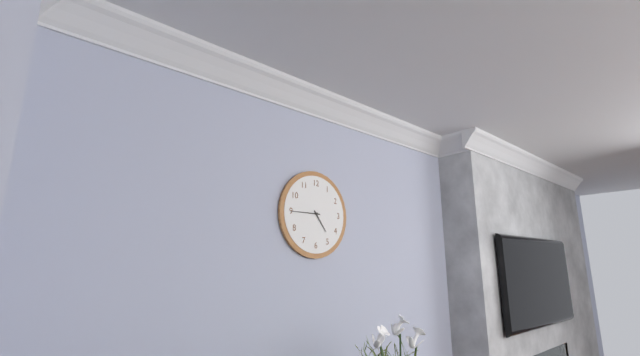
4:45
